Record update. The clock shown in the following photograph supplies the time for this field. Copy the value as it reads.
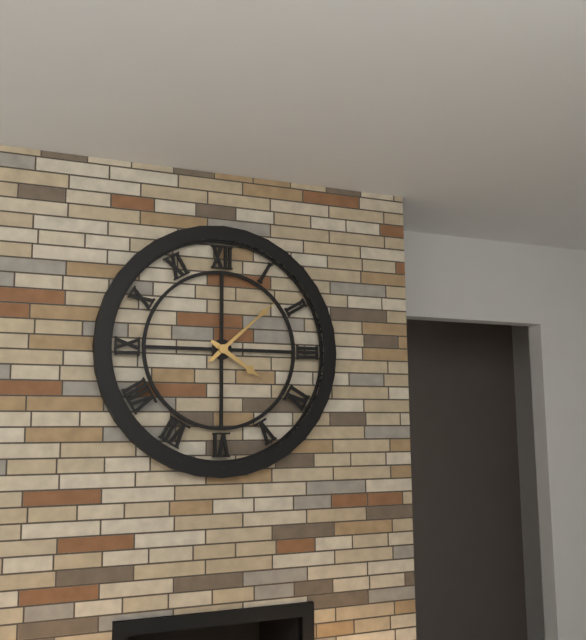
4:08
